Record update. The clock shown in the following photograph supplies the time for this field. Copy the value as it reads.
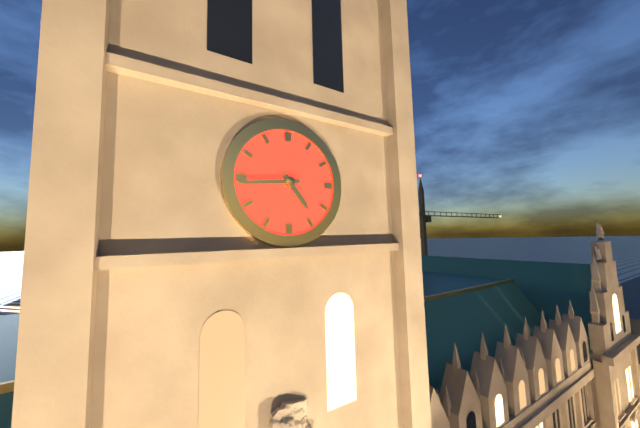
4:44
